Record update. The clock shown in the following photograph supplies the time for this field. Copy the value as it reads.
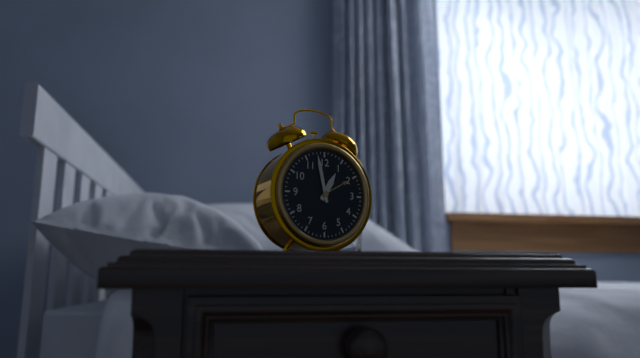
12:58
